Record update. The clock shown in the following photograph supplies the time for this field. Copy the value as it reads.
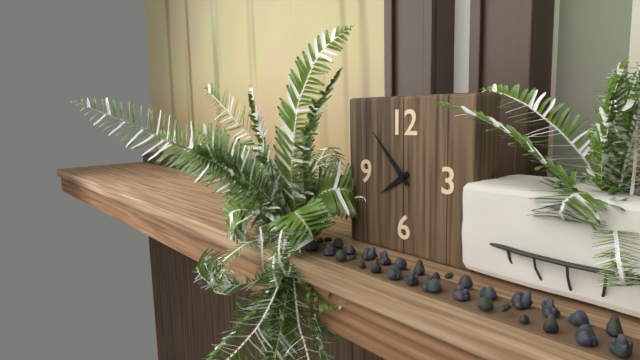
7:53
